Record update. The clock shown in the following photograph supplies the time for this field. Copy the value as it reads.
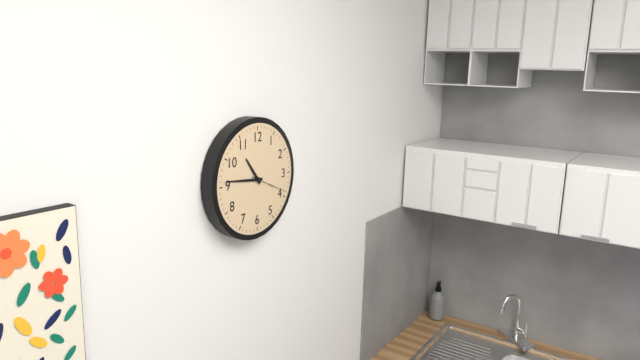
10:46:19
